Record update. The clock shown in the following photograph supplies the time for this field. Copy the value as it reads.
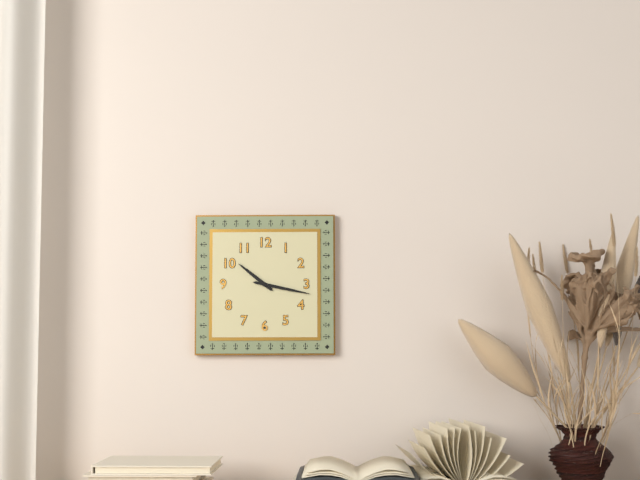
10:17
